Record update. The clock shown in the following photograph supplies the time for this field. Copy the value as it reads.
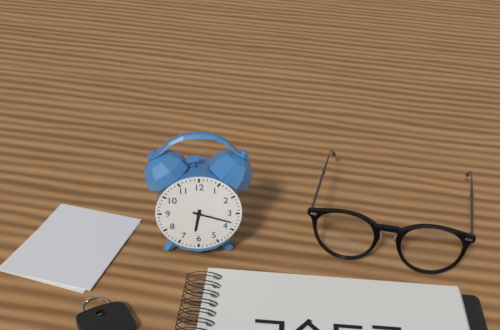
6:18
